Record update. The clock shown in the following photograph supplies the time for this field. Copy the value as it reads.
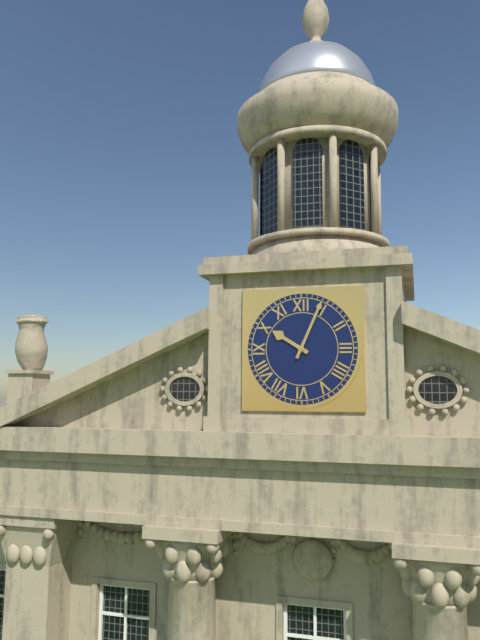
10:04
